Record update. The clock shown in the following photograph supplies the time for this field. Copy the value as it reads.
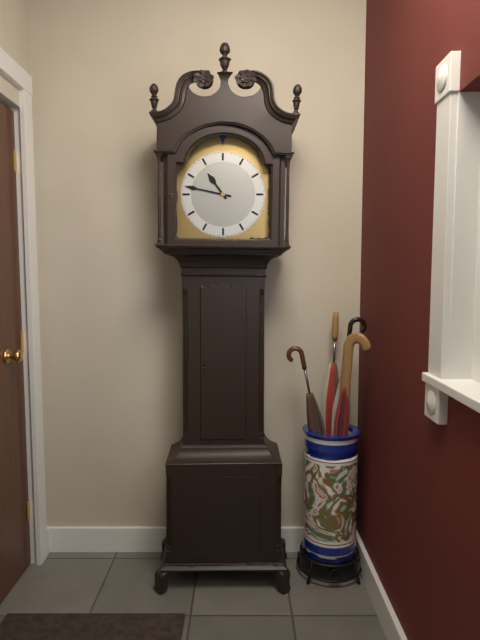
10:47
